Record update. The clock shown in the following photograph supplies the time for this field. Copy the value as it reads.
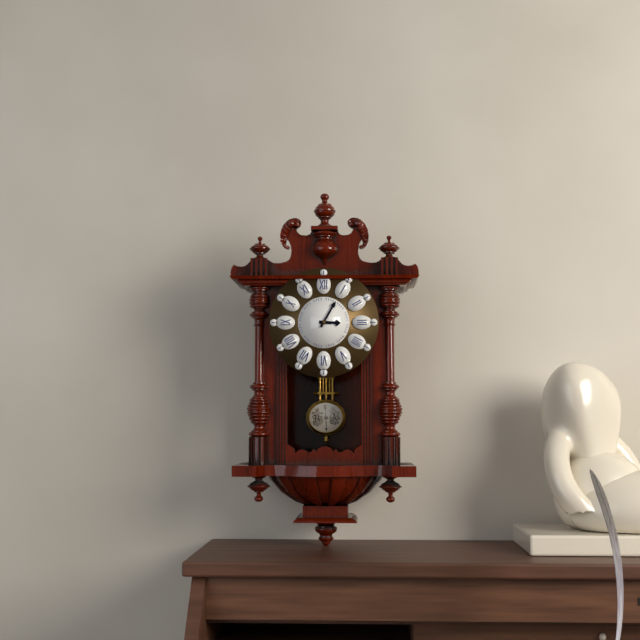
3:05
